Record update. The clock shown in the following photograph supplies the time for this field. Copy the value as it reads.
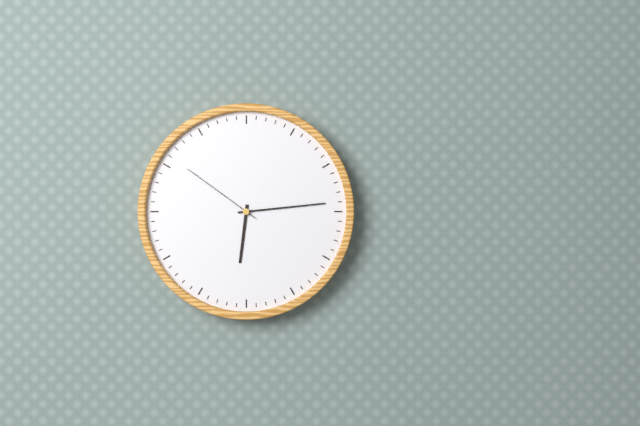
6:14:51
